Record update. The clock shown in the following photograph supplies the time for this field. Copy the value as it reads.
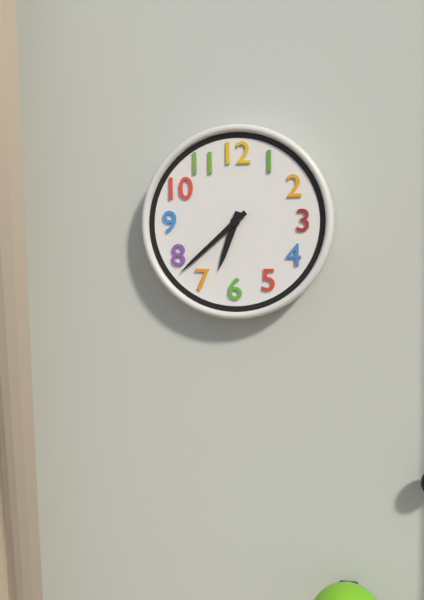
6:38
